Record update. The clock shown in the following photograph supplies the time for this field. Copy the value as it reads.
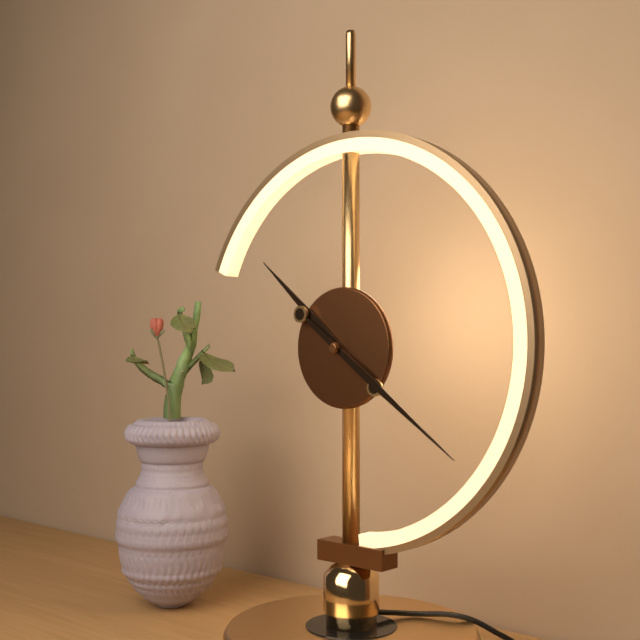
10:21
